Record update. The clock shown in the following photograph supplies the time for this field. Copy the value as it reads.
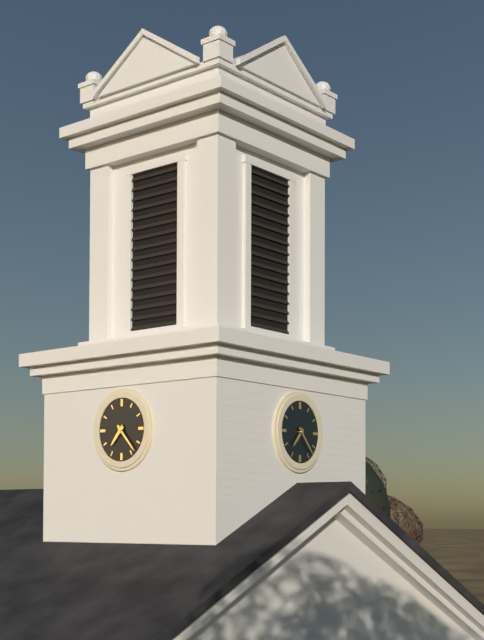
7:23
